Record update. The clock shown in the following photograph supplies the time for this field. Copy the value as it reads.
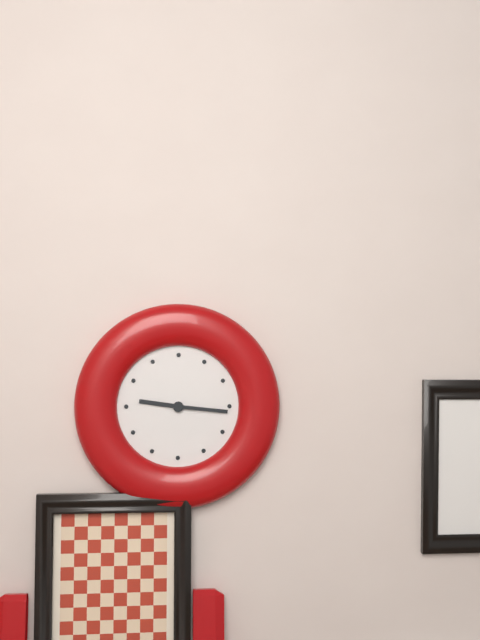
9:16
